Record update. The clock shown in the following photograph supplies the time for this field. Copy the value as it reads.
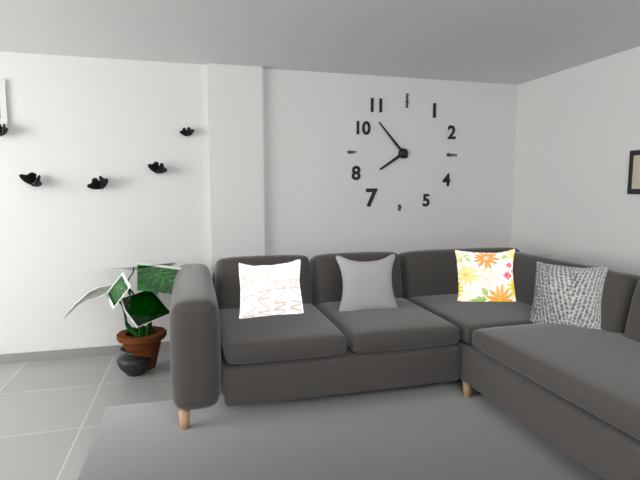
7:53
